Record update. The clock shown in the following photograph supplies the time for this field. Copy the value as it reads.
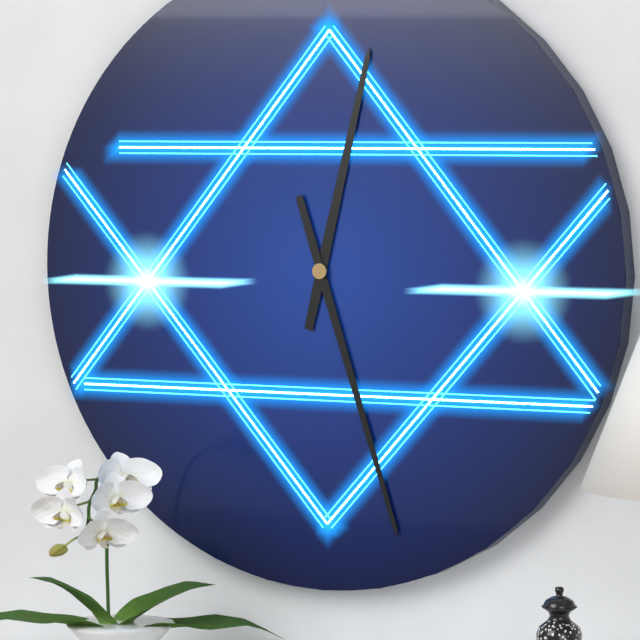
12:27
